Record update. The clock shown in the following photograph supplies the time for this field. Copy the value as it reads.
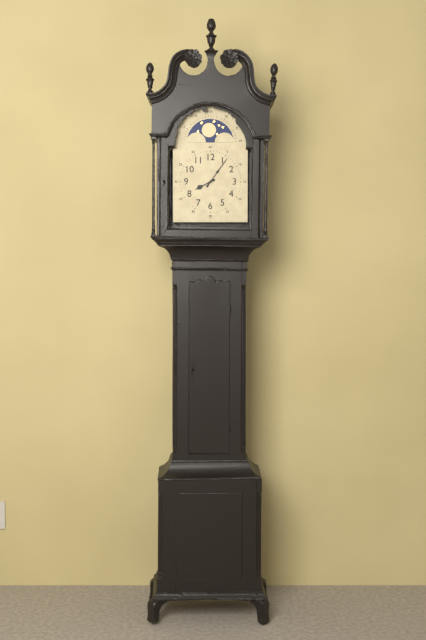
8:06
